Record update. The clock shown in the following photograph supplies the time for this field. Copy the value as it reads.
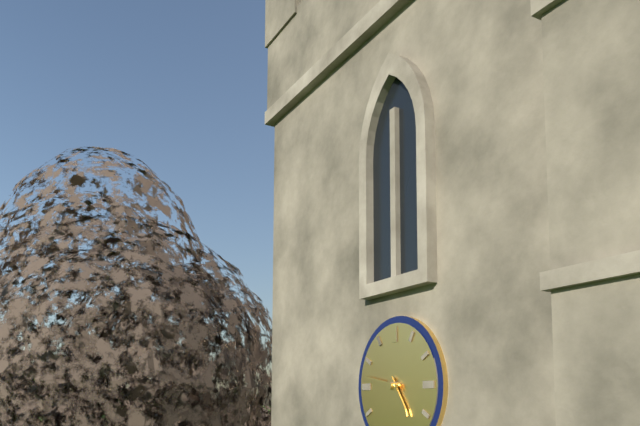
4:47
